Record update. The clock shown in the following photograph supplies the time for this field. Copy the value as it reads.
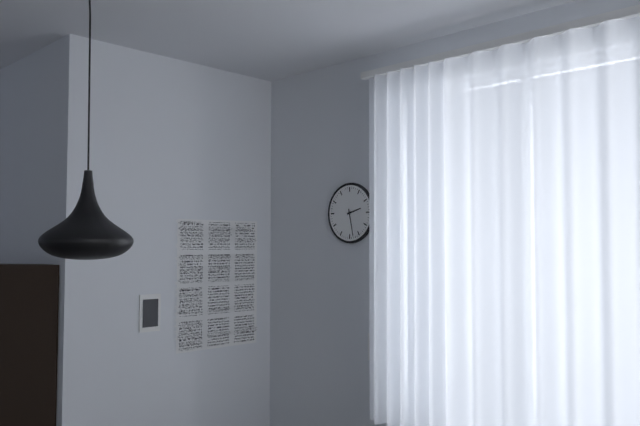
2:28
